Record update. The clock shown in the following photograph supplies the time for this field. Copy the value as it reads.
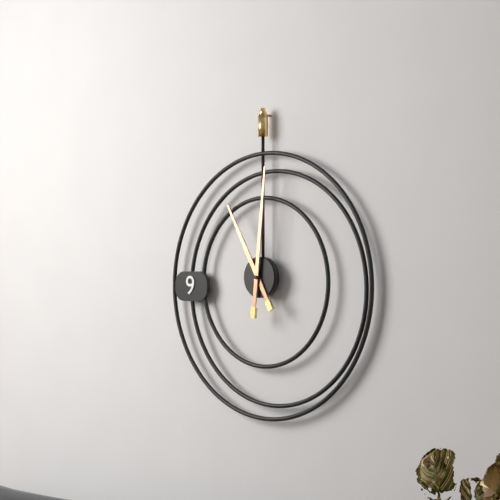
11:01
